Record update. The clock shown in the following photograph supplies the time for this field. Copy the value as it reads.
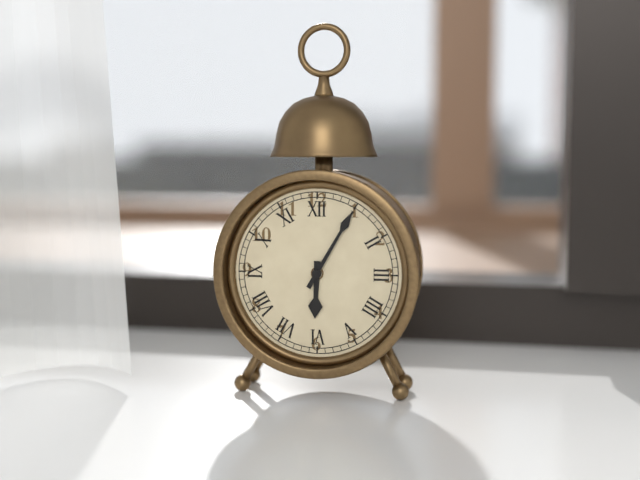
6:05
